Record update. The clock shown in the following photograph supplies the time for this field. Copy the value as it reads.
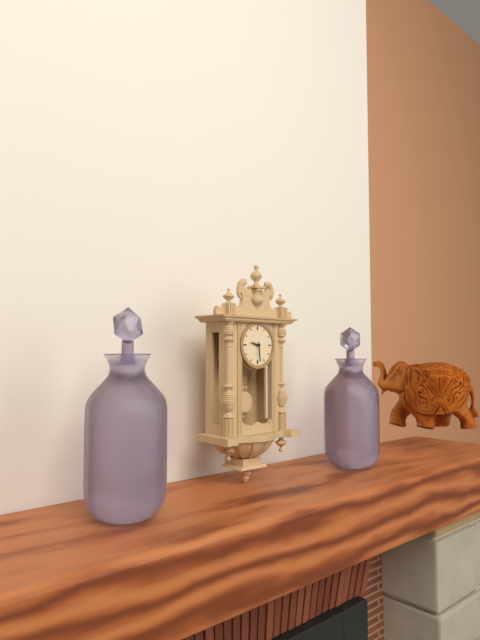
9:29
